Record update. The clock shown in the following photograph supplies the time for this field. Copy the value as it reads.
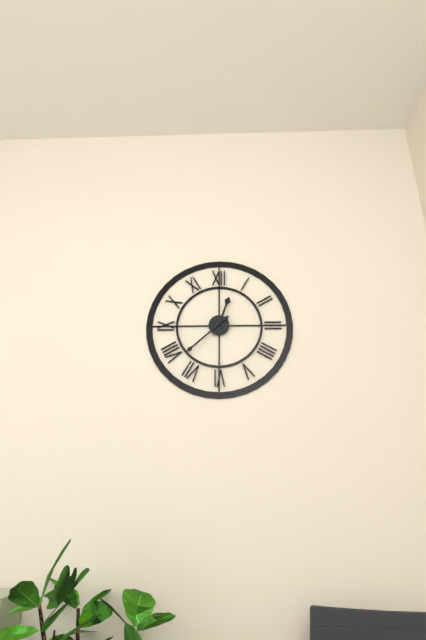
12:38
